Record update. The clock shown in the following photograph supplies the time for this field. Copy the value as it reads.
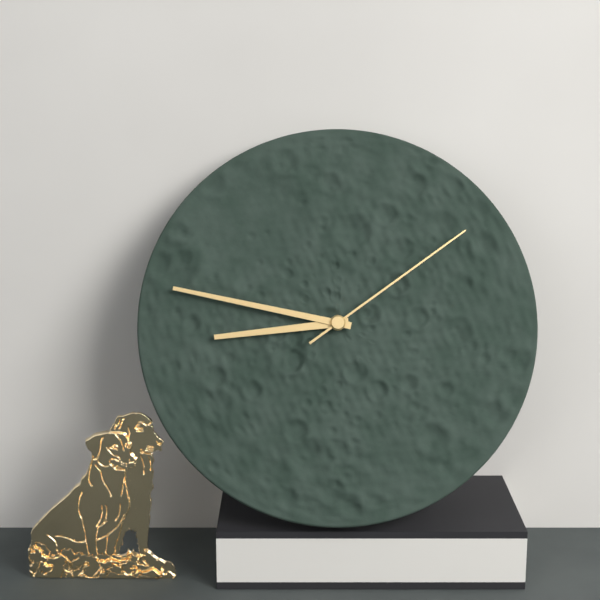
8:47:09
